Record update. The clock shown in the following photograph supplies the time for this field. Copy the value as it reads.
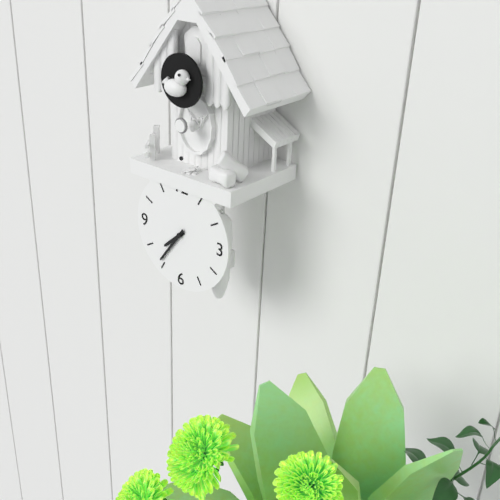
7:36
